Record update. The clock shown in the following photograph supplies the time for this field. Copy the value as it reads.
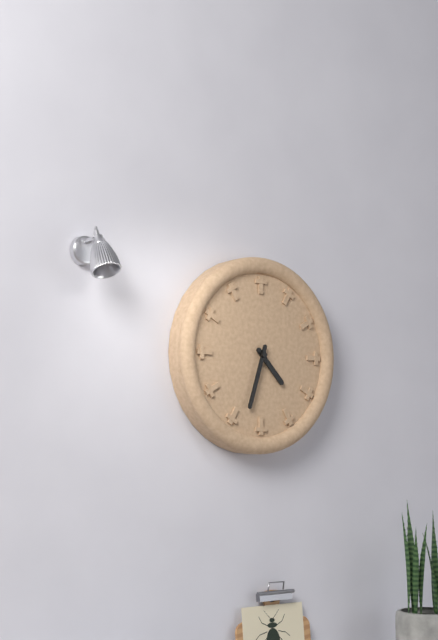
4:33
